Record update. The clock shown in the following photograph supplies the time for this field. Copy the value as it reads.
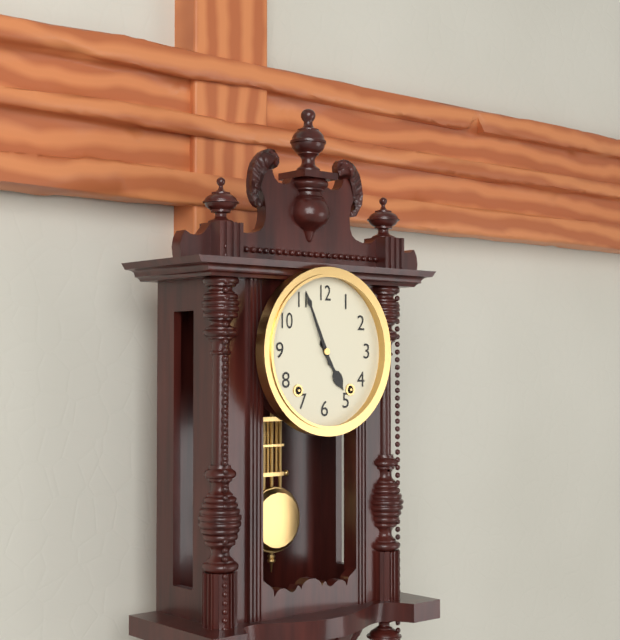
4:56
